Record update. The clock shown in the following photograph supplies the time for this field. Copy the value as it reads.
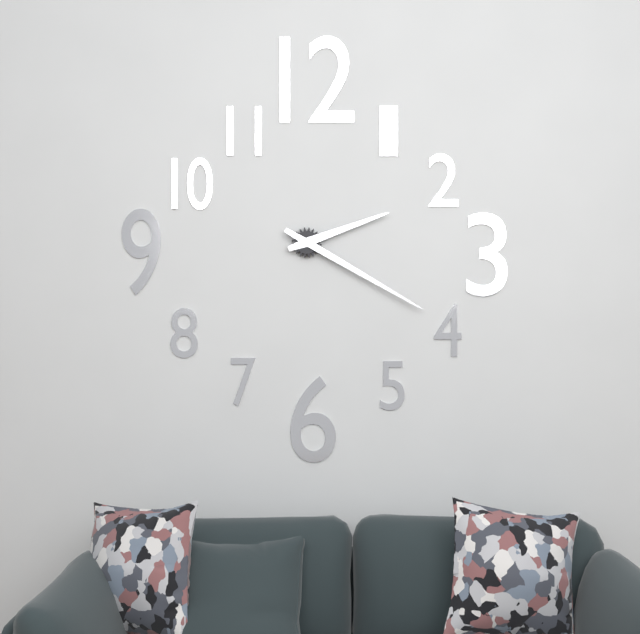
2:20
